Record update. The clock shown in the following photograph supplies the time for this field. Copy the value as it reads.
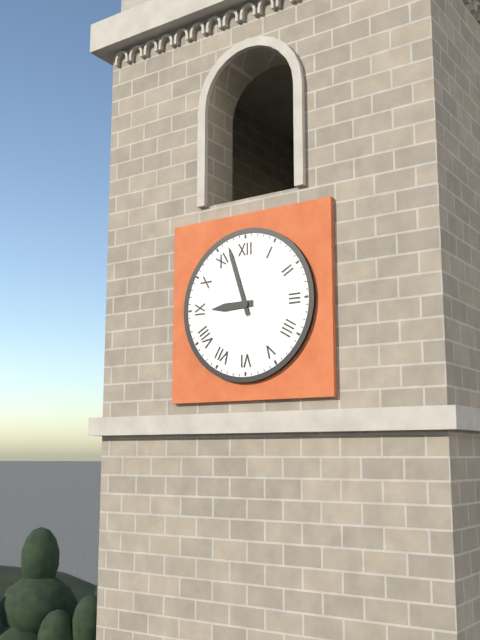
8:57
